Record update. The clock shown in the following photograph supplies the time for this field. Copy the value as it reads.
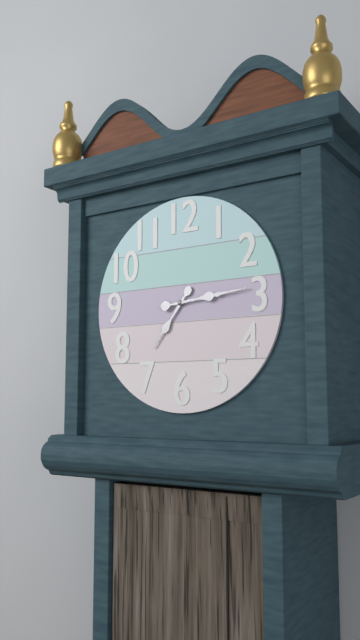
7:14
